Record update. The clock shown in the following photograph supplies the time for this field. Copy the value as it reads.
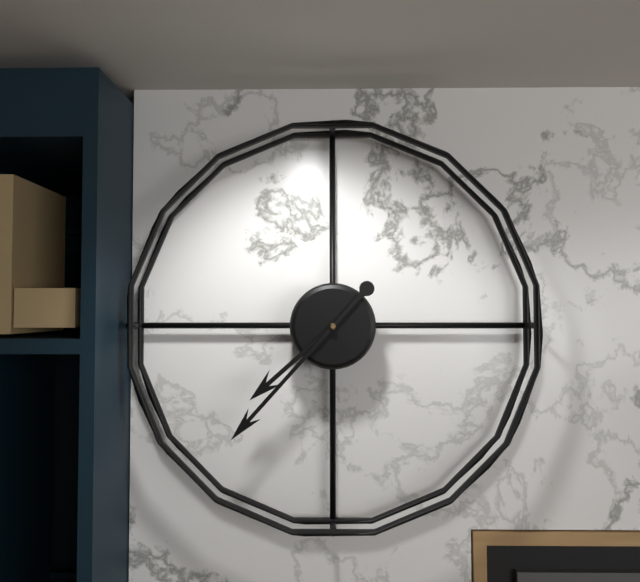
7:37
